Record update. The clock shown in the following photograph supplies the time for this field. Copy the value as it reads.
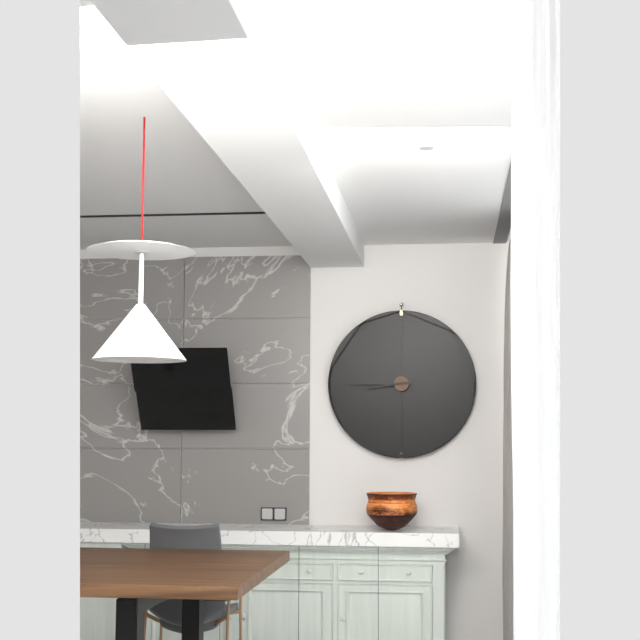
8:45
